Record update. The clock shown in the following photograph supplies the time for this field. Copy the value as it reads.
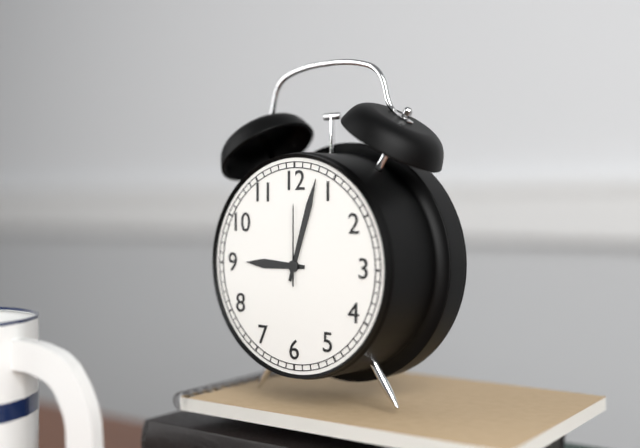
9:03:00
